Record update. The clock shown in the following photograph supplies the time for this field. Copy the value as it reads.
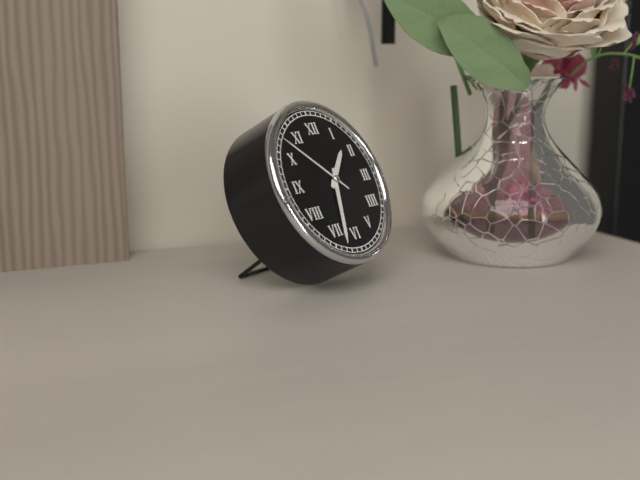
1:33:52
